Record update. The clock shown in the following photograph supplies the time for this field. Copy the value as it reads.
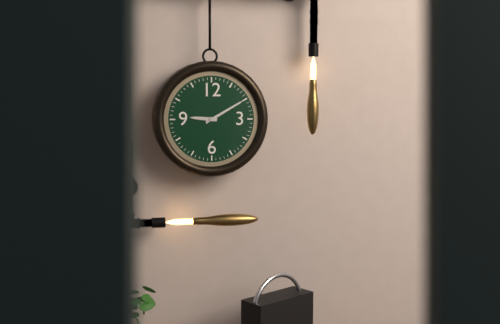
9:10
